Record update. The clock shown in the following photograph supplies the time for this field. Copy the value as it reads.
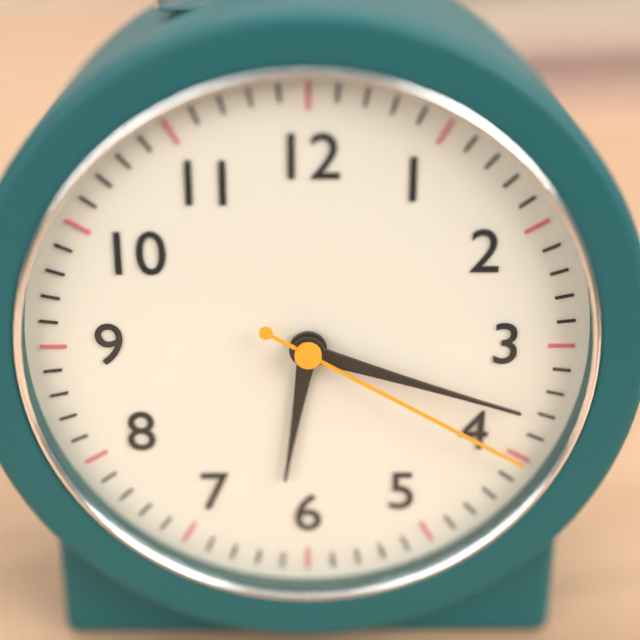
6:18:20
